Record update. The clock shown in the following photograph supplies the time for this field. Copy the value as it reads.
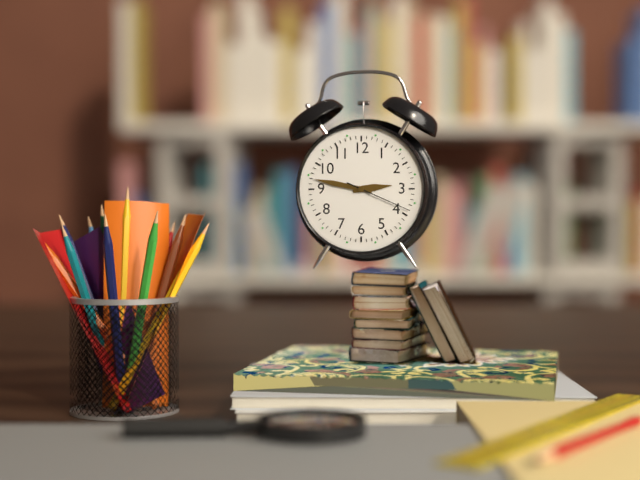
2:47:19
